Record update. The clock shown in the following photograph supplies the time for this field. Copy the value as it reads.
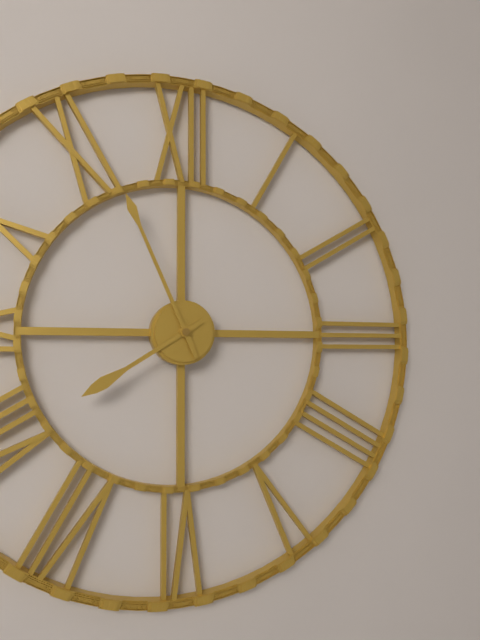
7:56
